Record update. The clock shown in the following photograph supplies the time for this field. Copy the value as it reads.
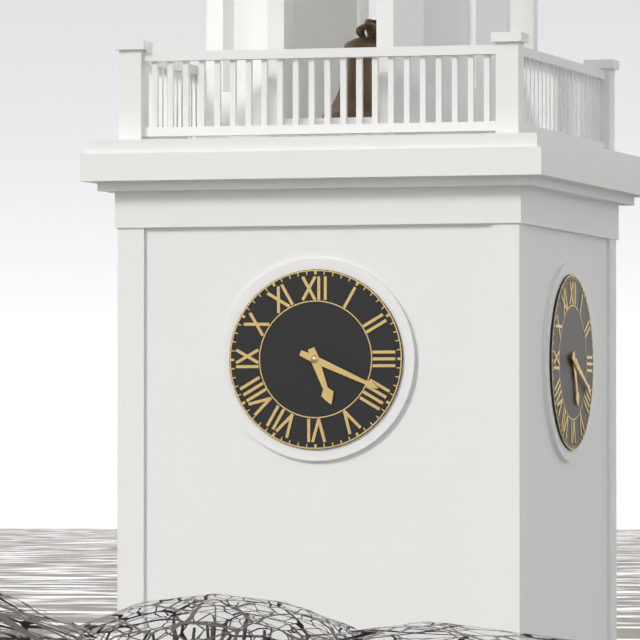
5:19
